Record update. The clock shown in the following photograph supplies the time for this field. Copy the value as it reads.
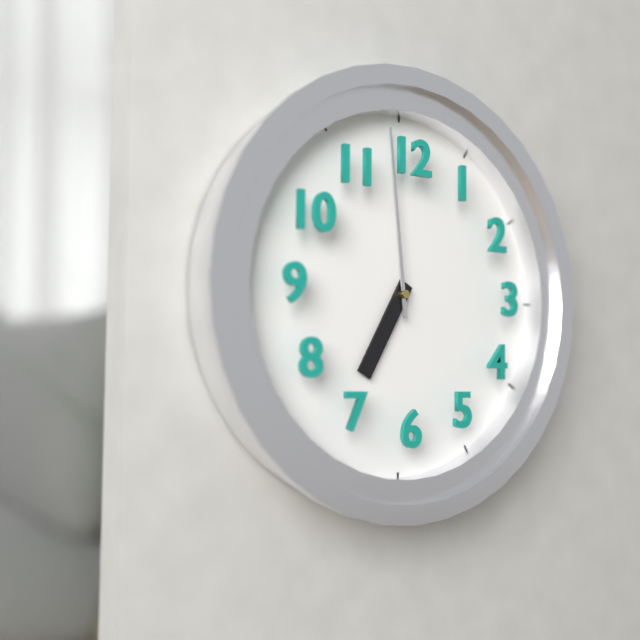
6:59
